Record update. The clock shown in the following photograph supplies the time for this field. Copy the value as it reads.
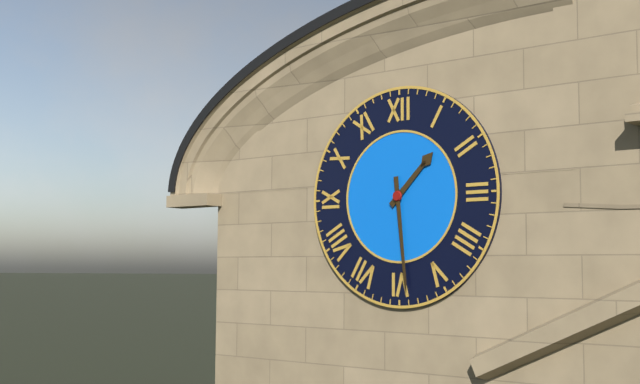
1:29
